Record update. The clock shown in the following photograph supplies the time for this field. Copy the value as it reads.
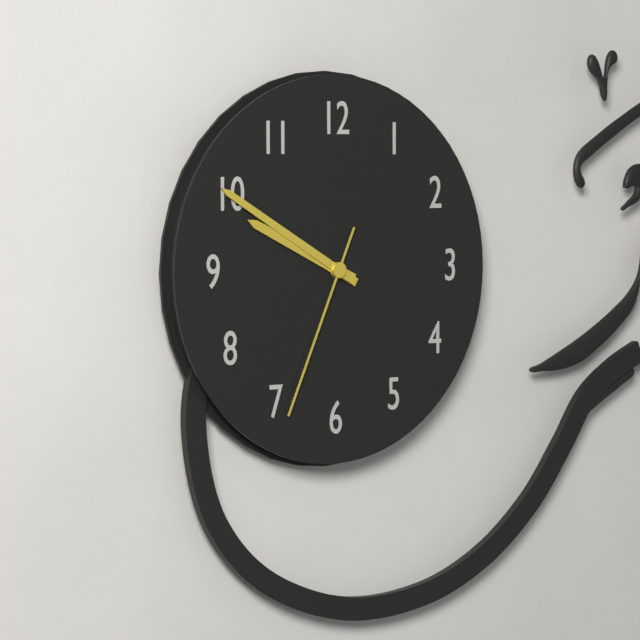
9:50:34
